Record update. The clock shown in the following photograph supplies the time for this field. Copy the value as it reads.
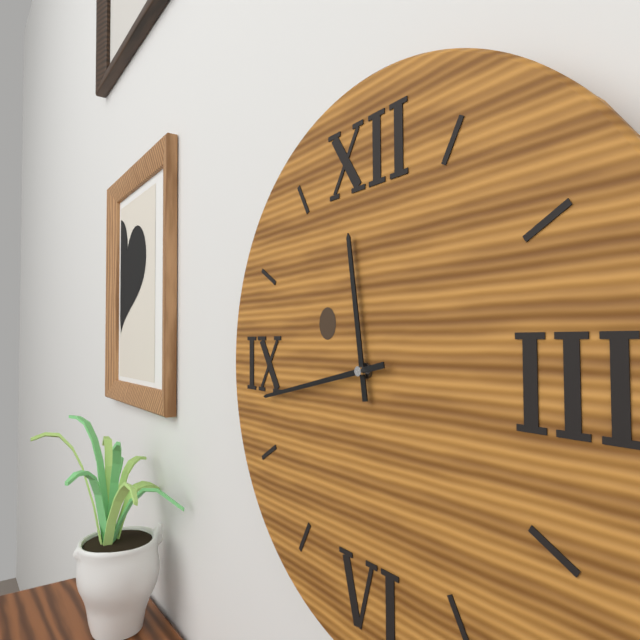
11:43
